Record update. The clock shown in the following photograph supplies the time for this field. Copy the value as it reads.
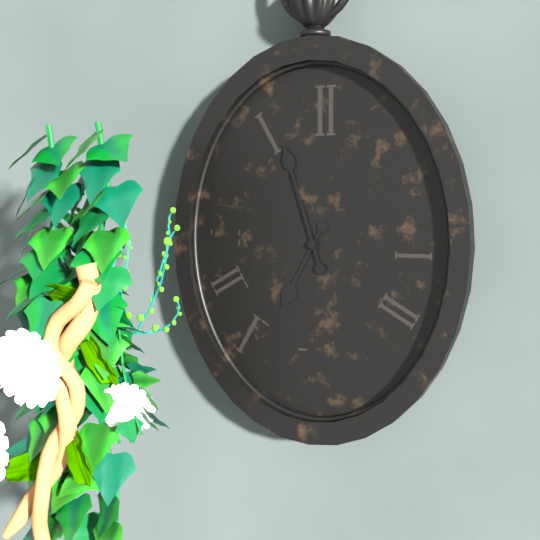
6:57
